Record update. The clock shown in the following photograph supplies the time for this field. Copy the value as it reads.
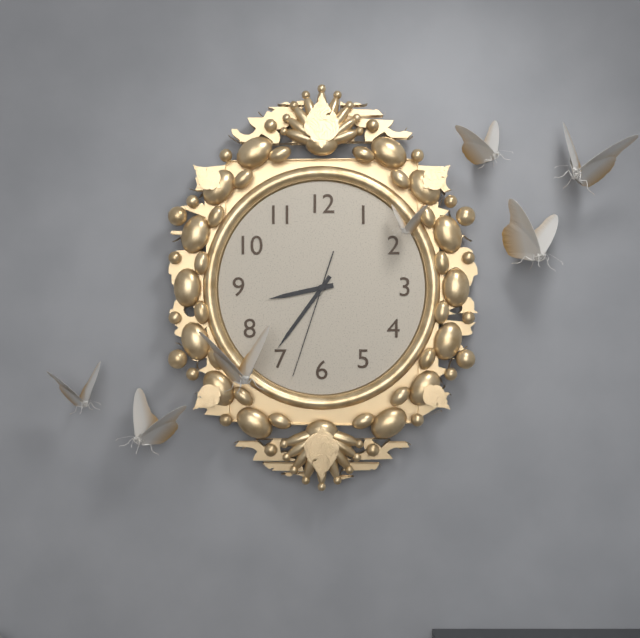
8:36:33
